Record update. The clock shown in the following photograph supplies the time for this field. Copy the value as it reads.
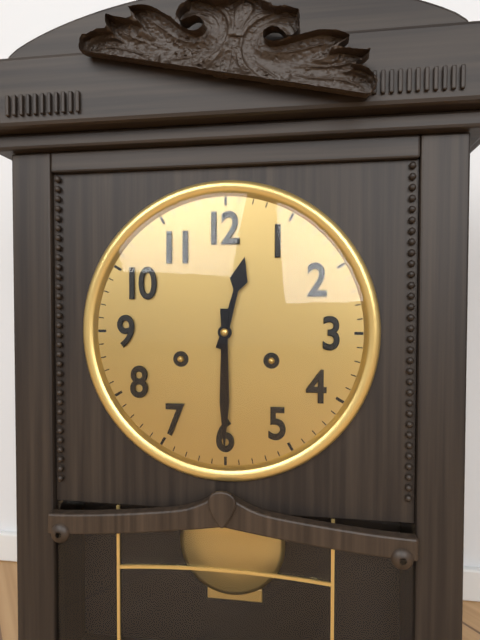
12:30
